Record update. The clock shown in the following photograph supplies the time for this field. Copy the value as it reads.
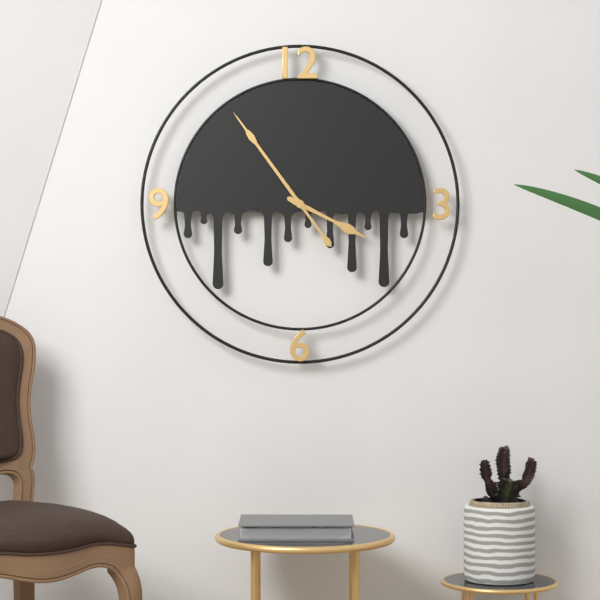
3:54
